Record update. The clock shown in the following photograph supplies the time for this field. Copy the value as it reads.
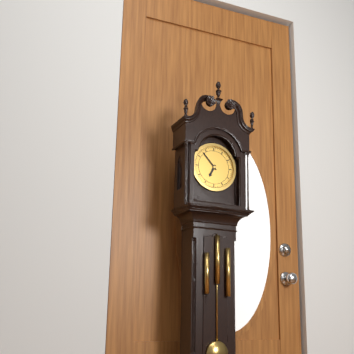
6:53
